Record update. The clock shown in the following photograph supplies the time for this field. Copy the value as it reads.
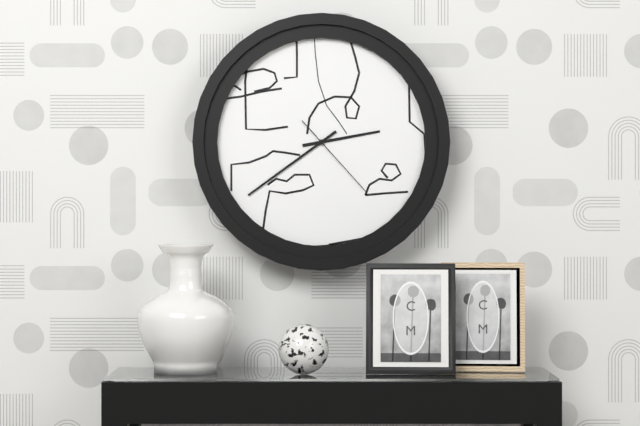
2:39:23
